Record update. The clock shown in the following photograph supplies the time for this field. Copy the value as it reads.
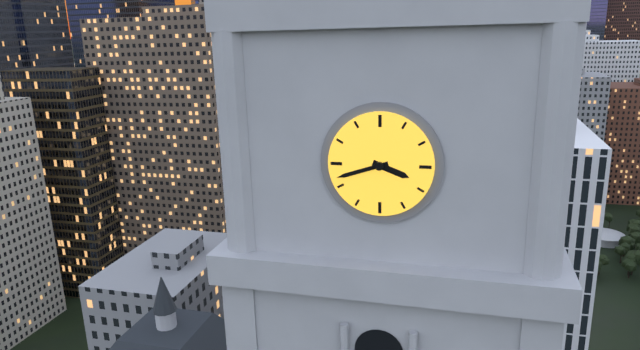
3:42
